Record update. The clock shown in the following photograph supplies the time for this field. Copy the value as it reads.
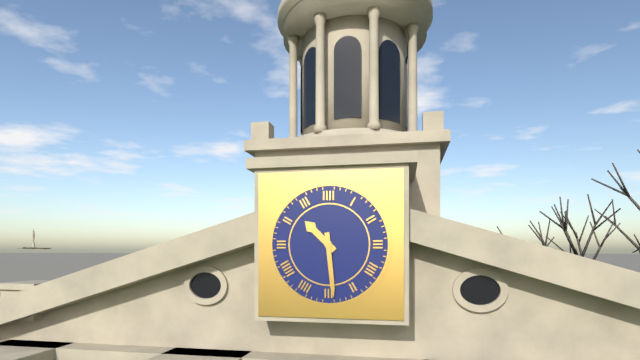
10:29
